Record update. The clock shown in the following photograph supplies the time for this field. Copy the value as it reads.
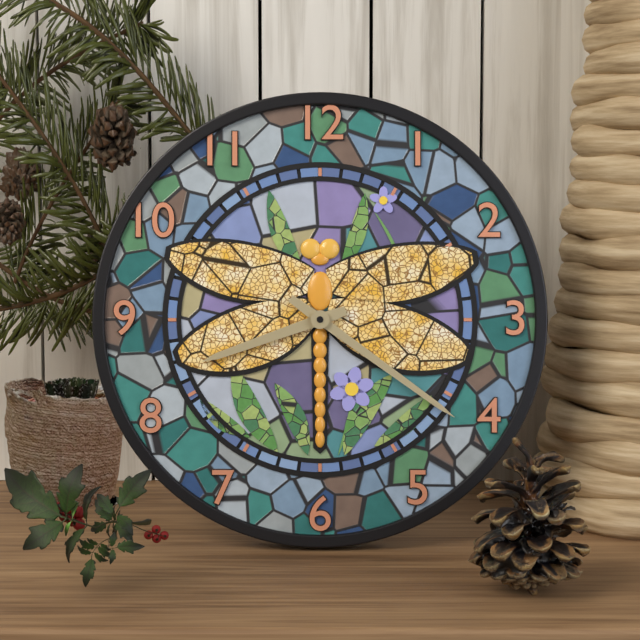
8:21
